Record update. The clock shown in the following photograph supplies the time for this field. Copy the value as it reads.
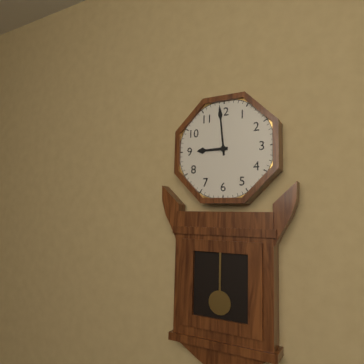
8:59
